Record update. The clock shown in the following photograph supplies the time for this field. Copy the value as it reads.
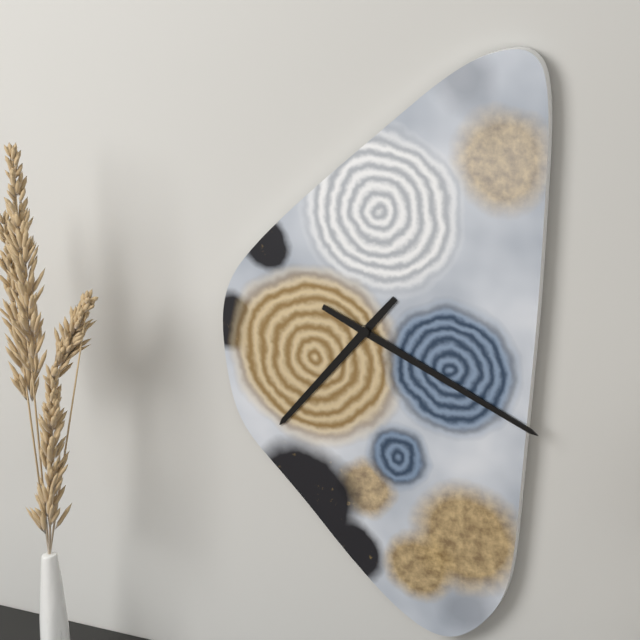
7:19
